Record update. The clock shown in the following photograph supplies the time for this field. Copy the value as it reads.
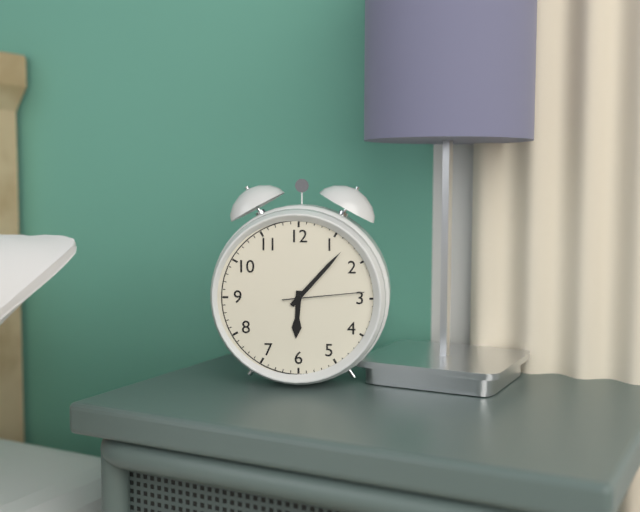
6:07:14
